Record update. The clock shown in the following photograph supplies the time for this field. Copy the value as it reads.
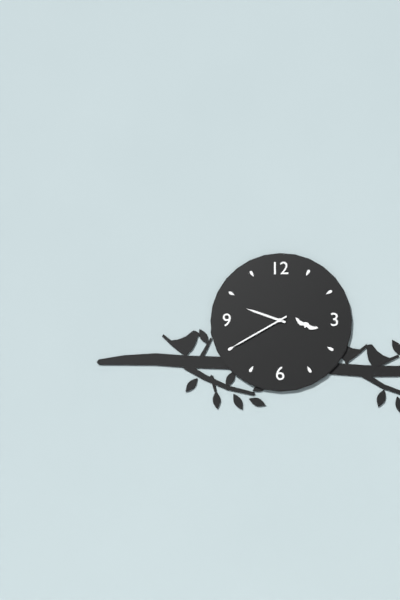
9:40
